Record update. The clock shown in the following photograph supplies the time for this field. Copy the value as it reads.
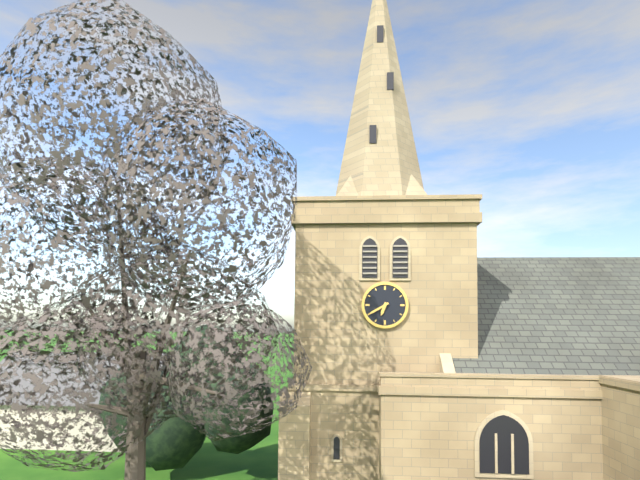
6:40
